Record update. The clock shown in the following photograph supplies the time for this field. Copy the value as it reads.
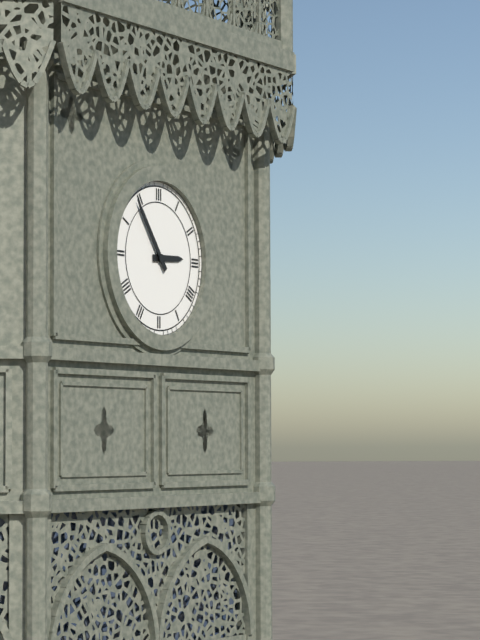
2:54
